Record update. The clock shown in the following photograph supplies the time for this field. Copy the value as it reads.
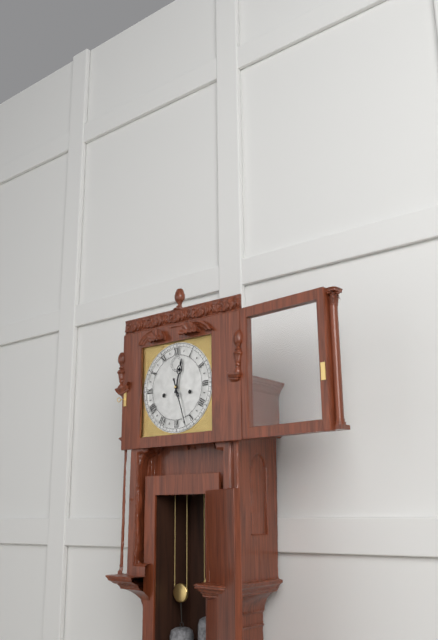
12:27
